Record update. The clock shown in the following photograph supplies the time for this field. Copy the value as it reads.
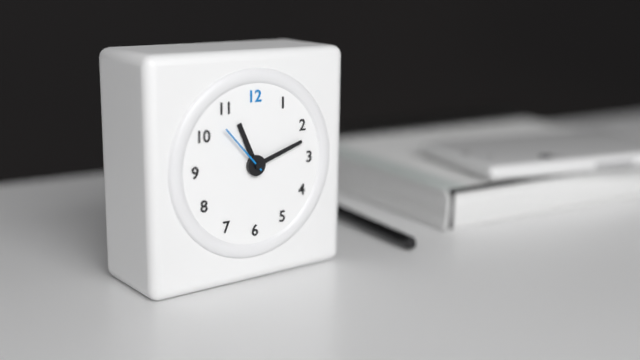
11:12:53
